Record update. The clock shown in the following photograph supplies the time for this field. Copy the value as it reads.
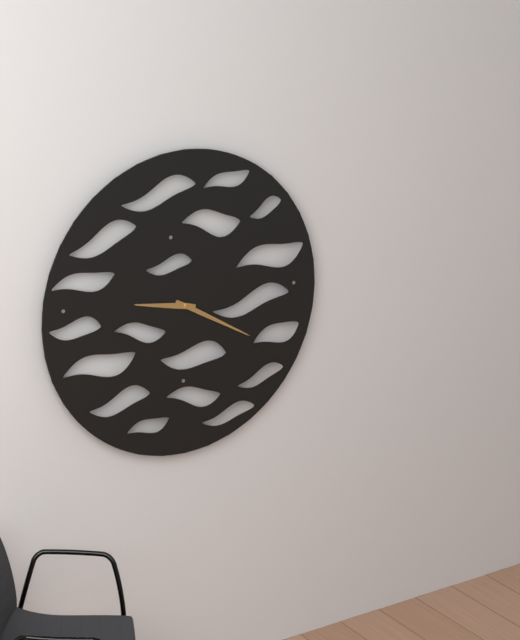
9:20
